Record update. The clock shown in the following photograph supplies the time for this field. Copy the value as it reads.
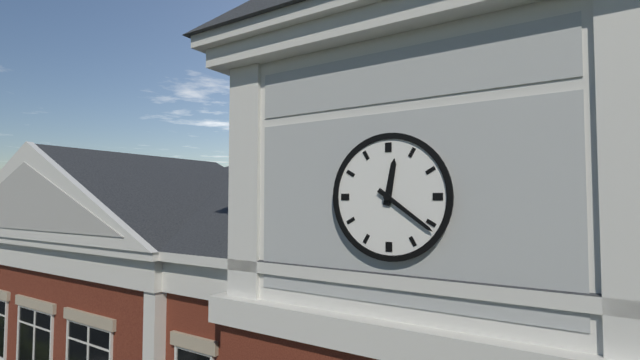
12:21
